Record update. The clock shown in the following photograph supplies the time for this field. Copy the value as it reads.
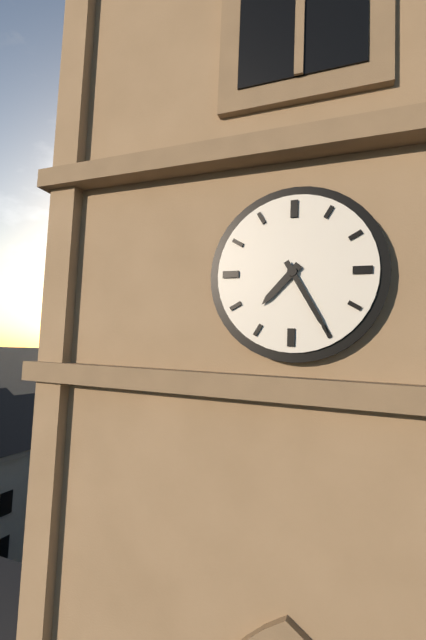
7:25
